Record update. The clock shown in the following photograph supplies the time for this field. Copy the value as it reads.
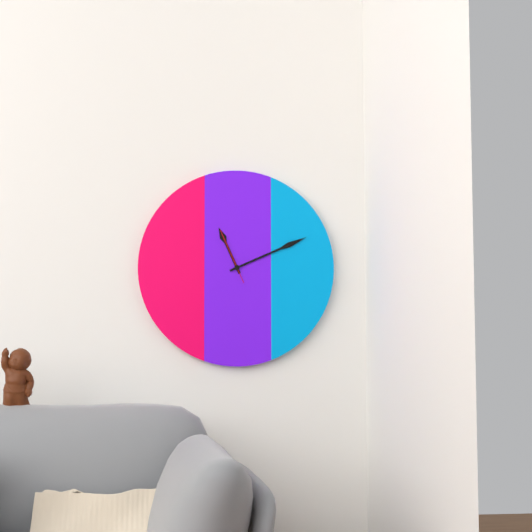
11:11:56
